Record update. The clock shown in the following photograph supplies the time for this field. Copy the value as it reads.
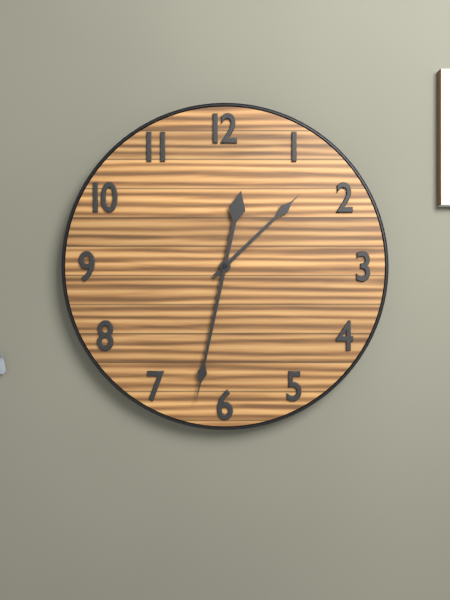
1:32
